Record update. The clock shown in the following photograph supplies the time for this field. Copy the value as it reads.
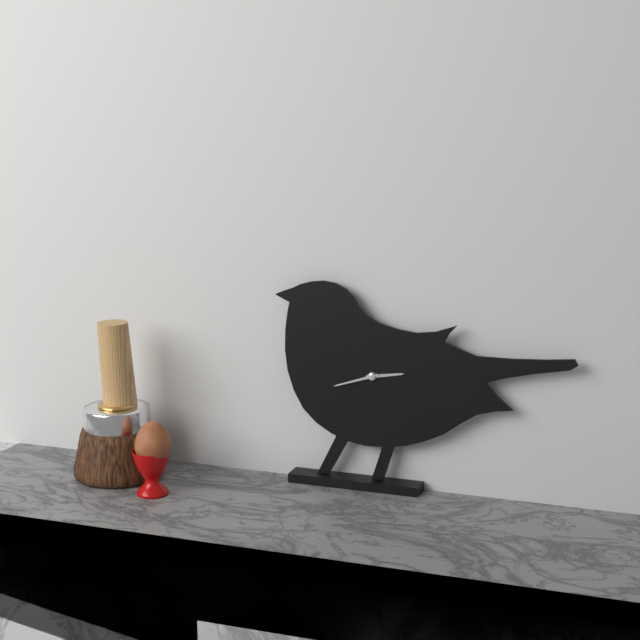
2:42
